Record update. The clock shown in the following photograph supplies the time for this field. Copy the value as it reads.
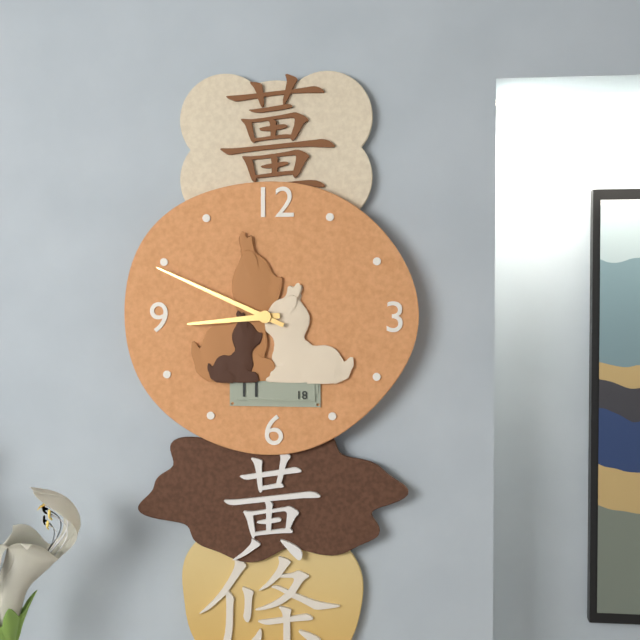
8:49
